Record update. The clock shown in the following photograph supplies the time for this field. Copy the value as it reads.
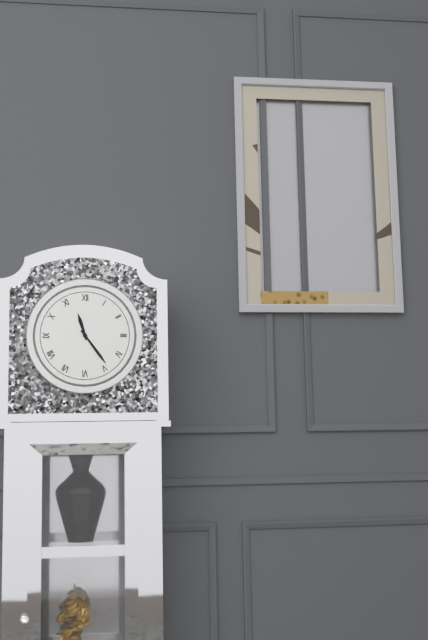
11:24
